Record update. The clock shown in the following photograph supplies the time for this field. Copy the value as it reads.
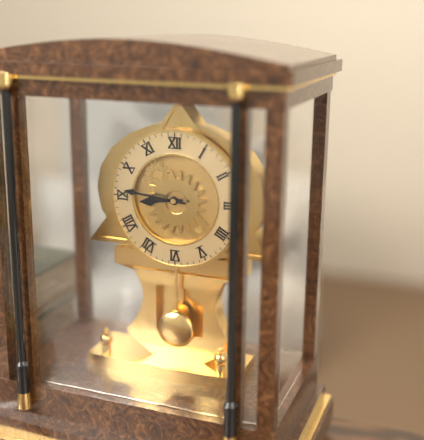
8:46
